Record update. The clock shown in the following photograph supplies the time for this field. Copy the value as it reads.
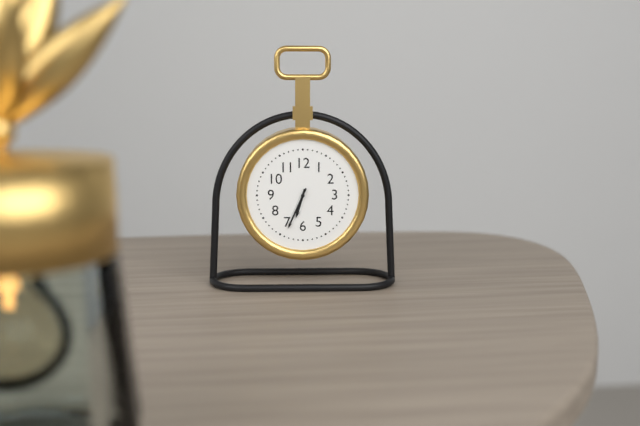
6:34
